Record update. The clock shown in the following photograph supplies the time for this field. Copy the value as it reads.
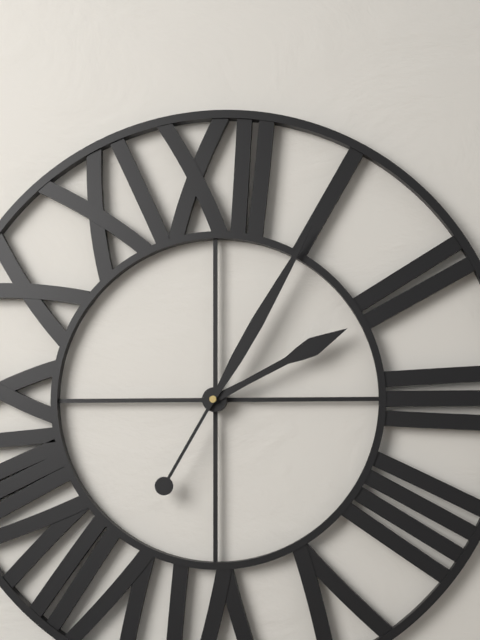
2:05
